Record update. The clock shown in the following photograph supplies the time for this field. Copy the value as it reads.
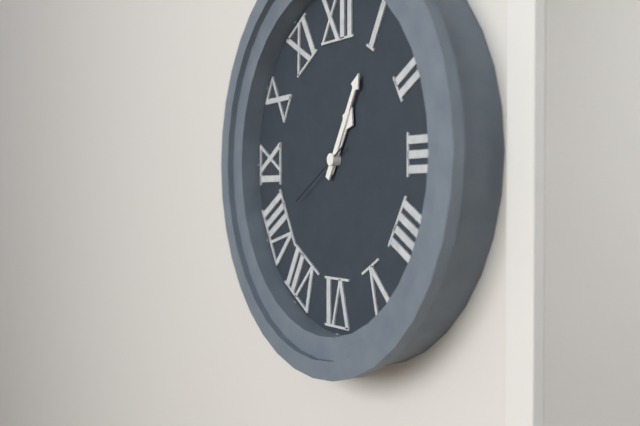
1:05:40
